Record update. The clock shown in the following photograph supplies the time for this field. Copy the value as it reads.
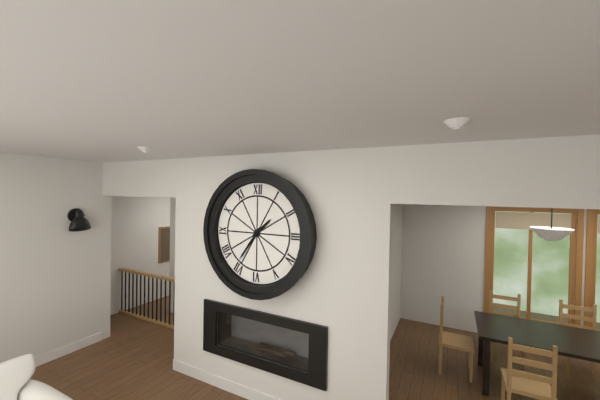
1:36
